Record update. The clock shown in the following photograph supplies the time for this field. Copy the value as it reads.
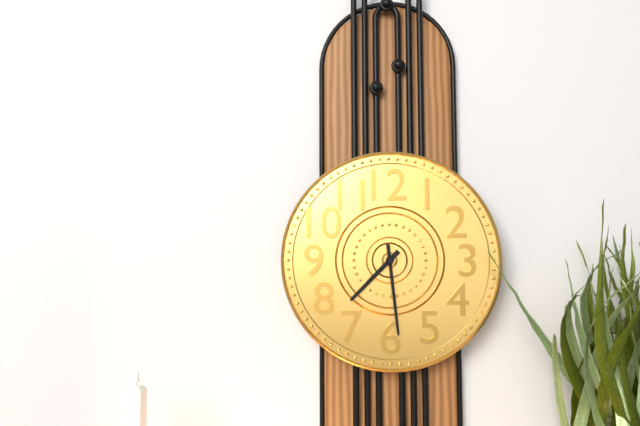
7:29
